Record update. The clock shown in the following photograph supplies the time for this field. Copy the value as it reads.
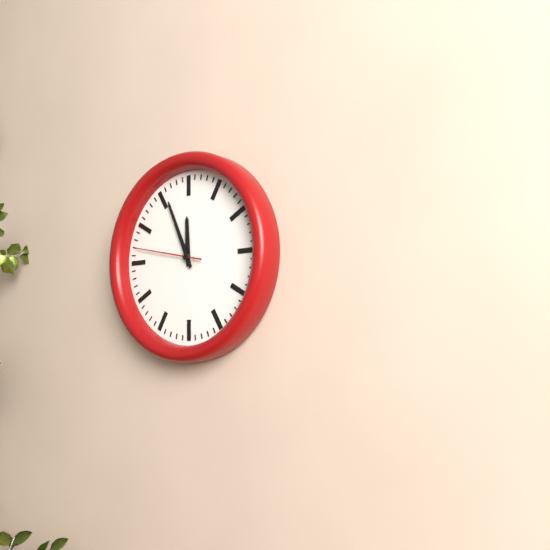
11:56:47
